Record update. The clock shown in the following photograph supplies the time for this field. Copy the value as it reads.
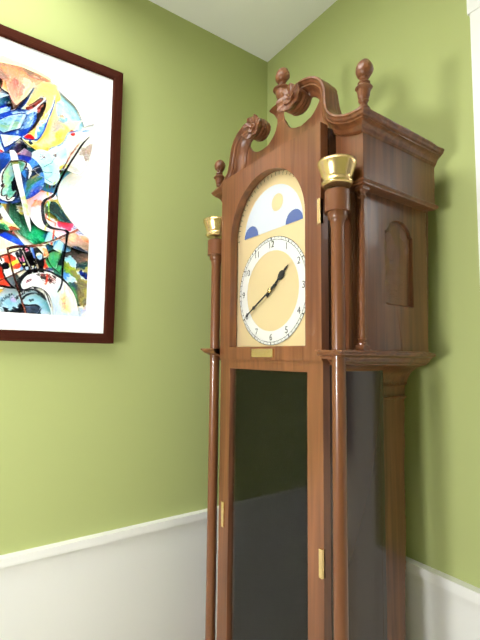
1:40
